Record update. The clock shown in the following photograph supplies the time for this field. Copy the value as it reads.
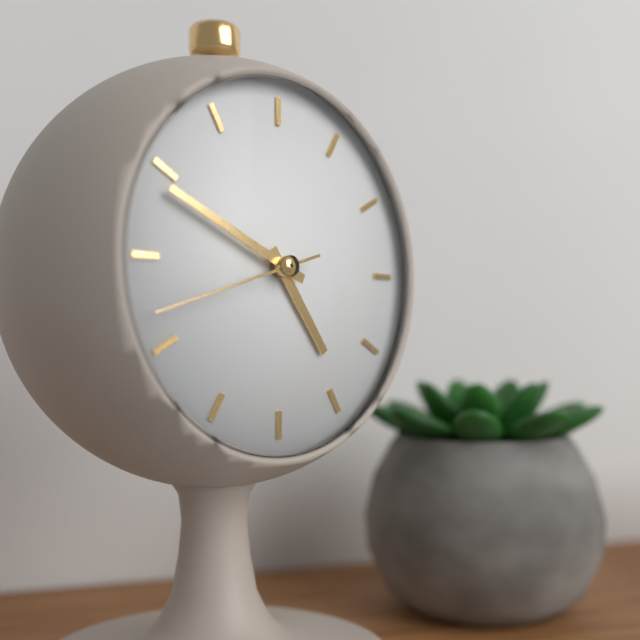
4:49:42
